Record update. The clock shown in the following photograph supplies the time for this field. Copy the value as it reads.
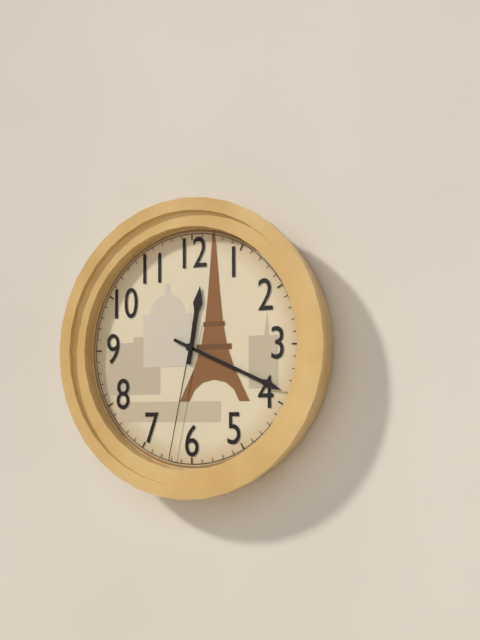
12:19:32
